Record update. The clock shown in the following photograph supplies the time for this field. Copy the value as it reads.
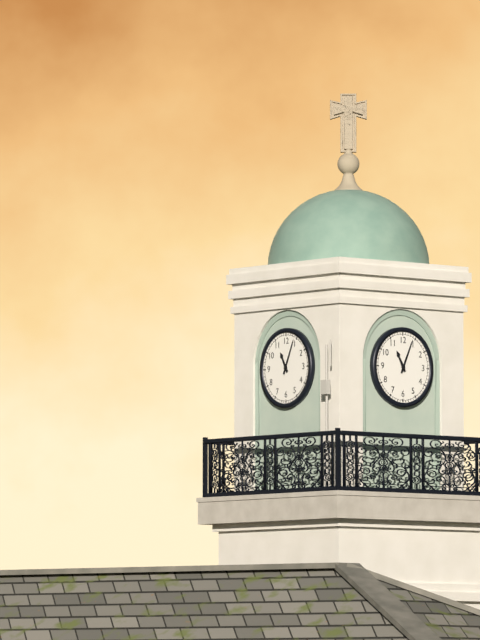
11:04
